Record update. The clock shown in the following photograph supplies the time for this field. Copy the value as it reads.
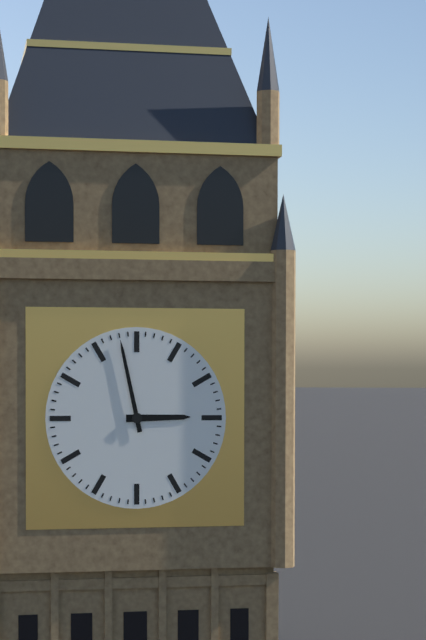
2:58
